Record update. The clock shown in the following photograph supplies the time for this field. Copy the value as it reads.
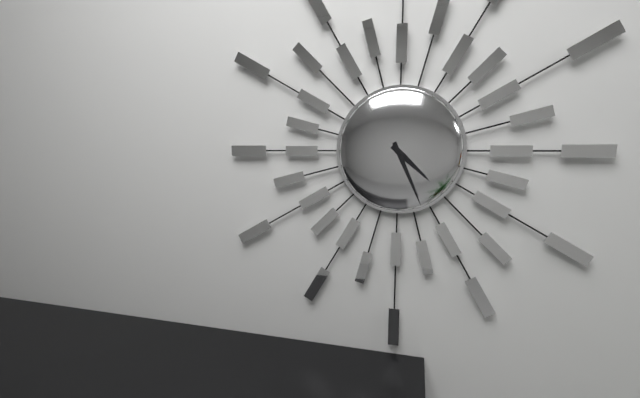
4:26
